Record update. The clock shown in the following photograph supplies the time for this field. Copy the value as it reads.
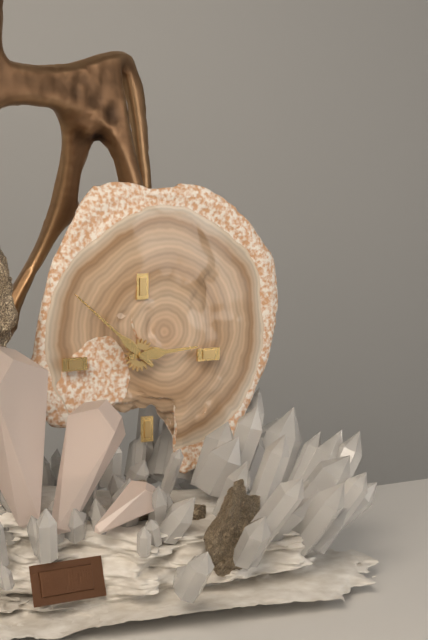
2:52
